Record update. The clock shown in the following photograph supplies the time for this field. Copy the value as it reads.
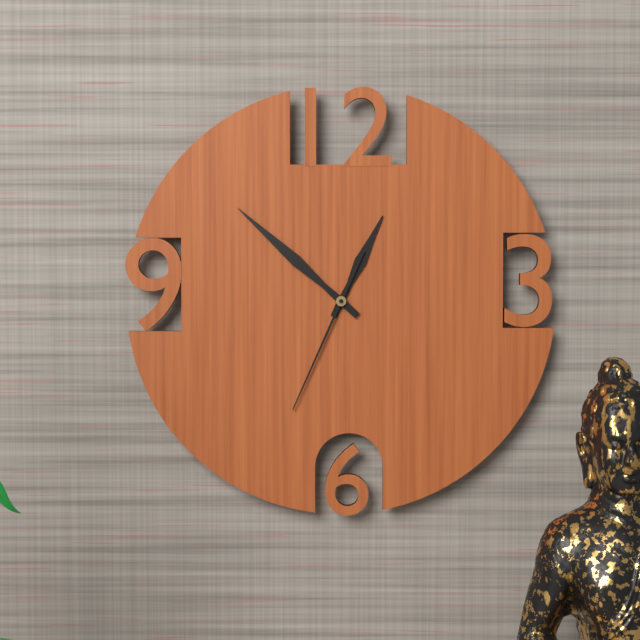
12:52:34
